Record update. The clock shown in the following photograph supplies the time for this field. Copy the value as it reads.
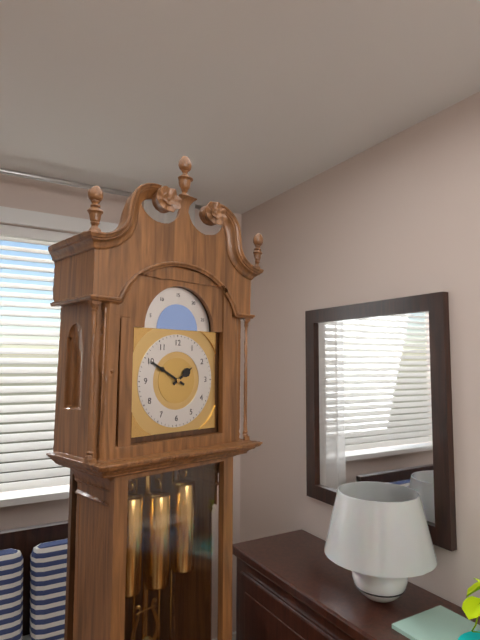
1:50
